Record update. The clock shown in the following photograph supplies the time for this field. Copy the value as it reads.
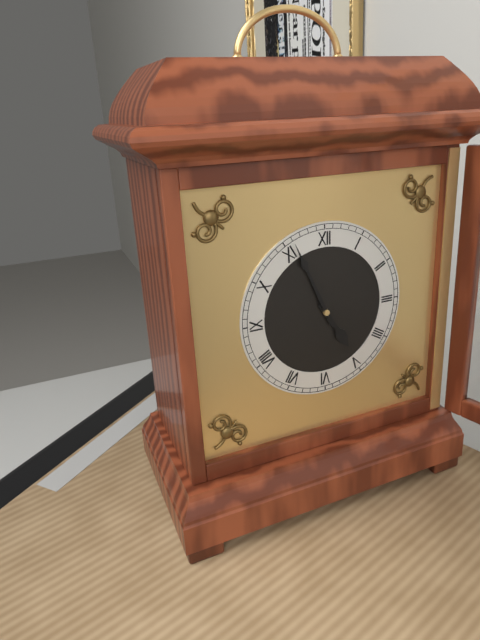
4:56
